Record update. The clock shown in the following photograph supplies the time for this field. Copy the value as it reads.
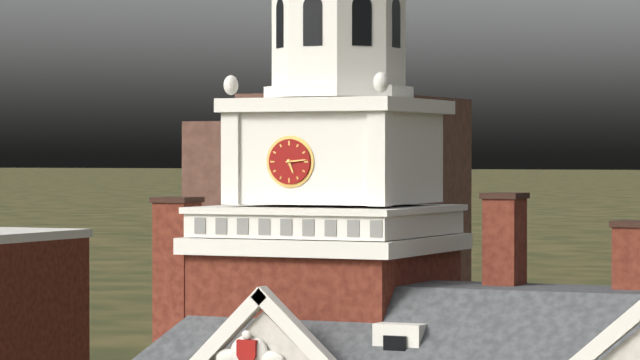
5:14
